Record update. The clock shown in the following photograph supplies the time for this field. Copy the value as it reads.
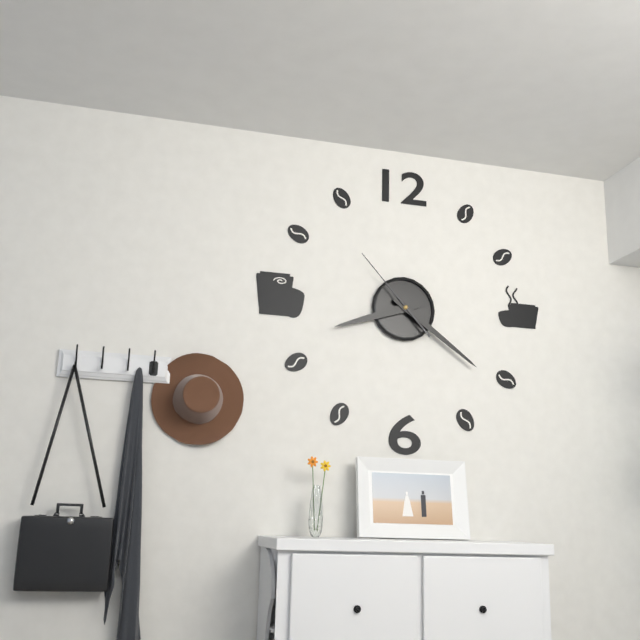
8:21:53
